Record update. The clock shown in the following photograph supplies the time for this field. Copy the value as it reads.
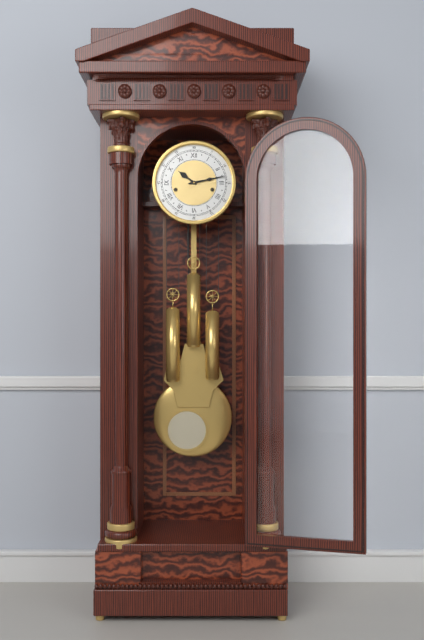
10:13
